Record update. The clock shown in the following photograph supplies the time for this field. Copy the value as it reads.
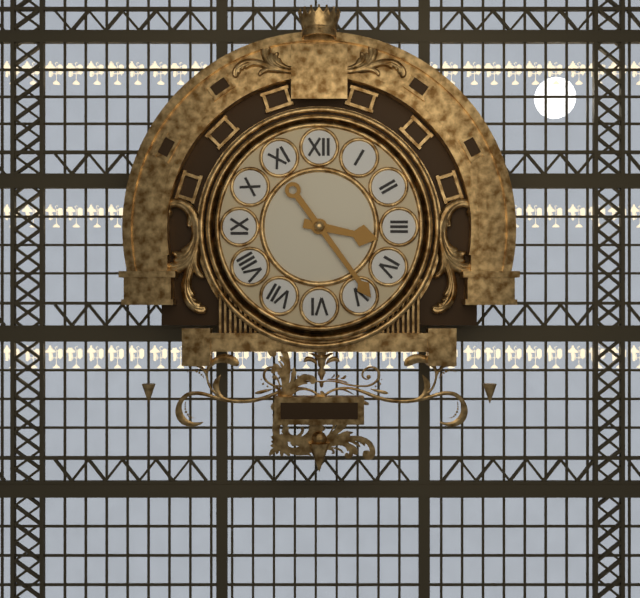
3:24
